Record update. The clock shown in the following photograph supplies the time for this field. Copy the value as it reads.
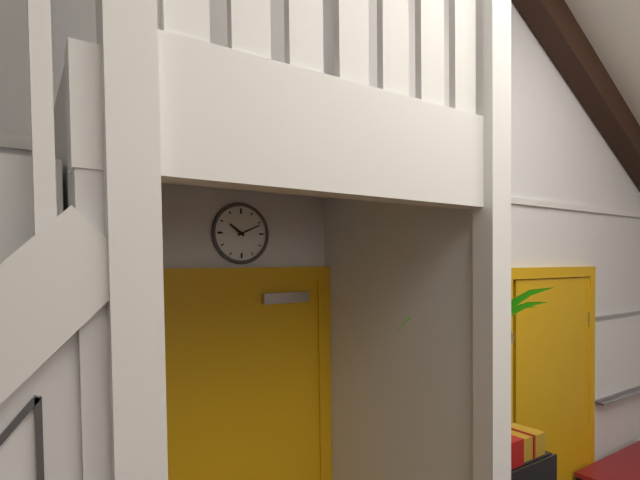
10:11
